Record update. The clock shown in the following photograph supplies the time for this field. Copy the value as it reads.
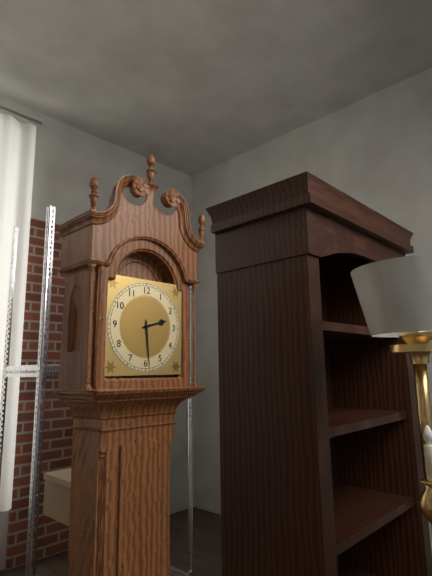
2:29
